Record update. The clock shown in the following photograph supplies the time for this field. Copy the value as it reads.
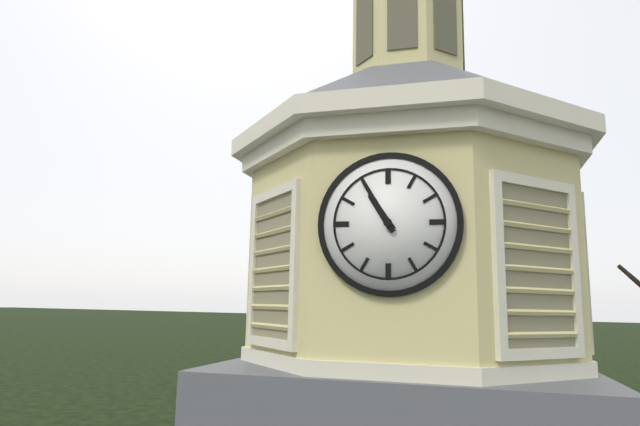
10:55
